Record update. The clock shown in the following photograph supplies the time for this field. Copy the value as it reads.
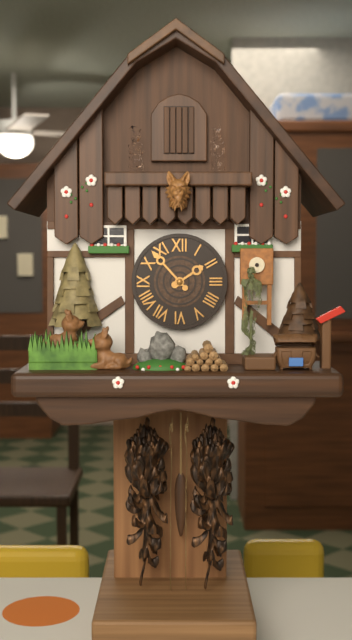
1:53
